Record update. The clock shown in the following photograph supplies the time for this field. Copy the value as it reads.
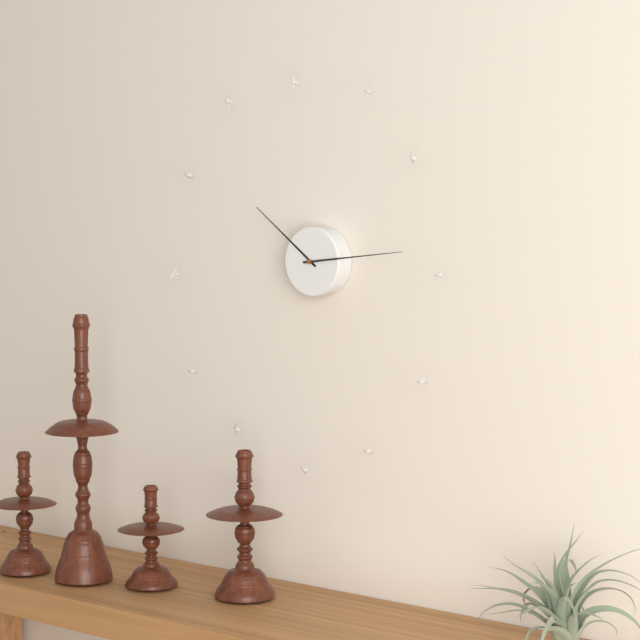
10:14
